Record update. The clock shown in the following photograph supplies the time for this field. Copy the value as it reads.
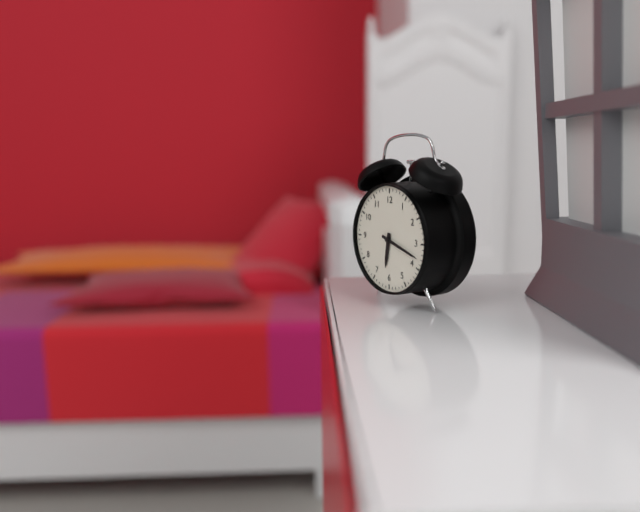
6:18
